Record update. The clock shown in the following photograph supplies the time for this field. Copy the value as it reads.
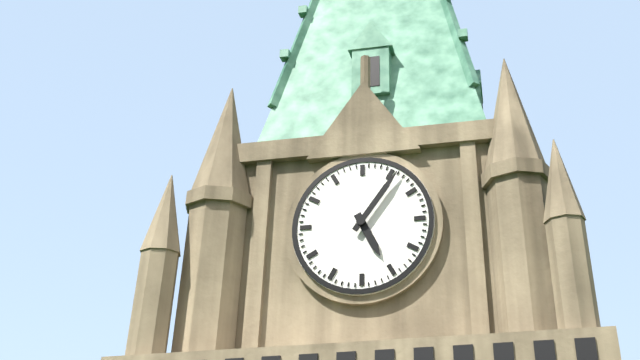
5:06
